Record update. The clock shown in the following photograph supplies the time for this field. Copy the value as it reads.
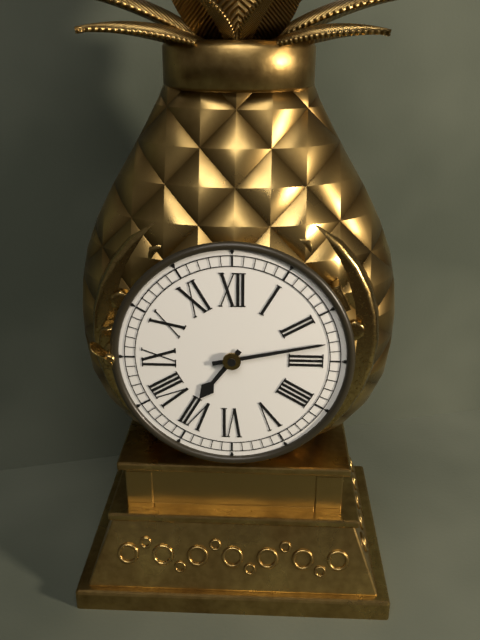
7:13
